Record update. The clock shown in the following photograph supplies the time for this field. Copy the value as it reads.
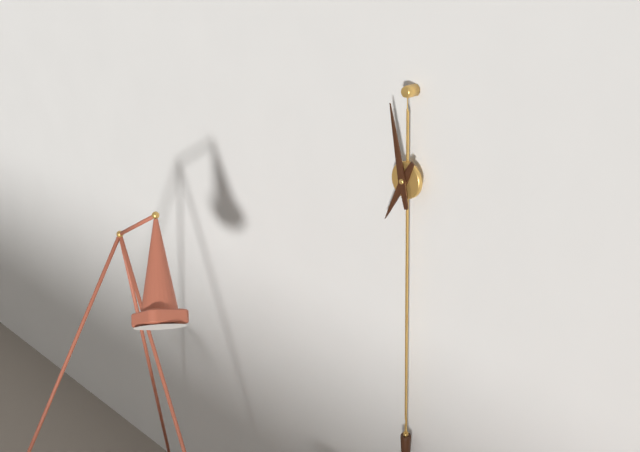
6:58
